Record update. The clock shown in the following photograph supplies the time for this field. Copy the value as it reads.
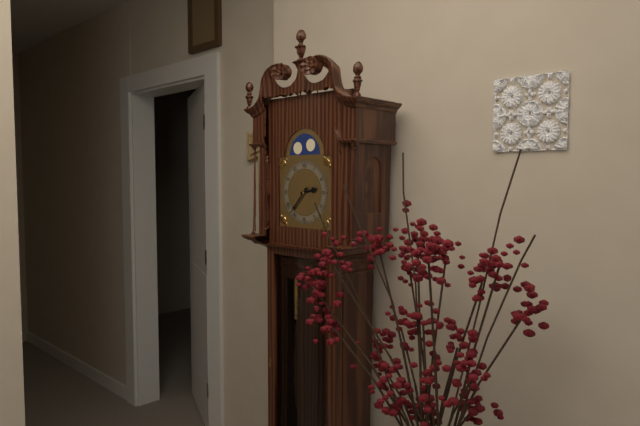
2:37
